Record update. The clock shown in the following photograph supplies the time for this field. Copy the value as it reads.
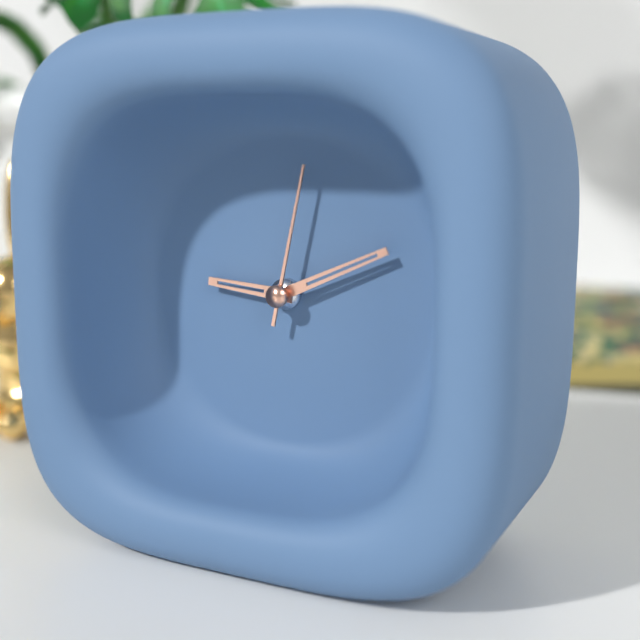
9:11:02
